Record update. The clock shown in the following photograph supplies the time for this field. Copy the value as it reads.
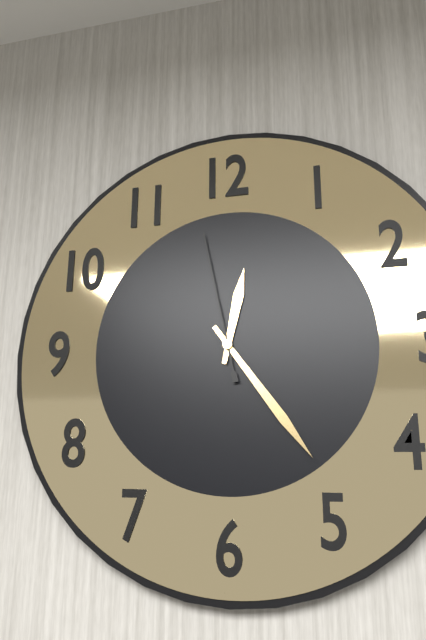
12:24:58
